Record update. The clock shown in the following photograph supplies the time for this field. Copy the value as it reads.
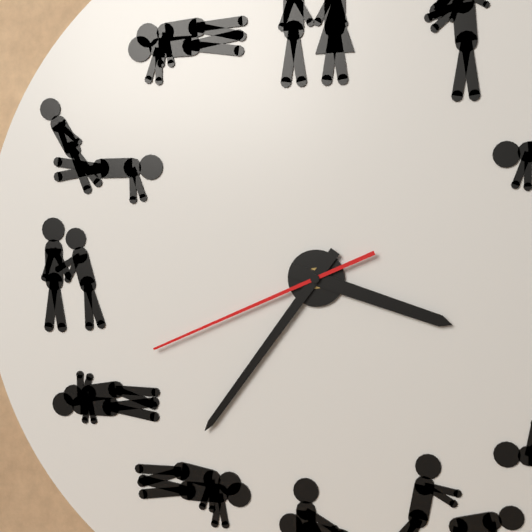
3:36:41
